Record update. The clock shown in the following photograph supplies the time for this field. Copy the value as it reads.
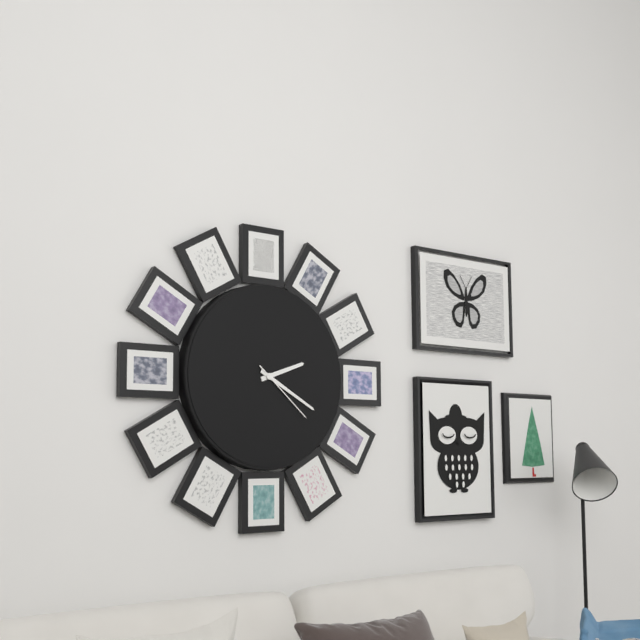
2:20:22
